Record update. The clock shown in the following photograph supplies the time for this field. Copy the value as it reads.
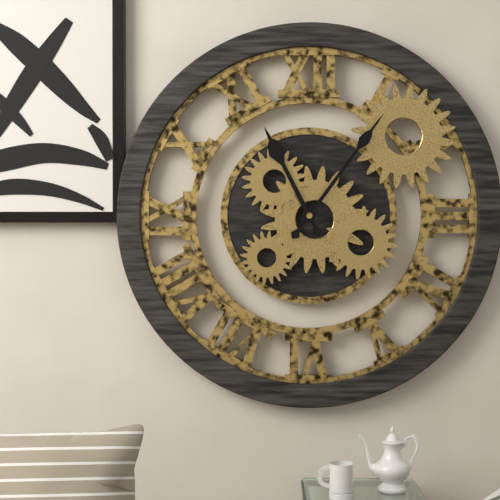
11:06
